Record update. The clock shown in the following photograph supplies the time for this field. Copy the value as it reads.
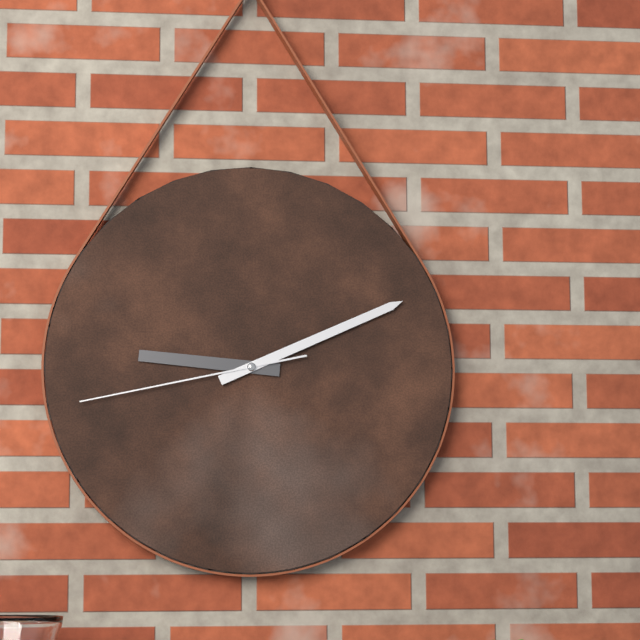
9:11:43
